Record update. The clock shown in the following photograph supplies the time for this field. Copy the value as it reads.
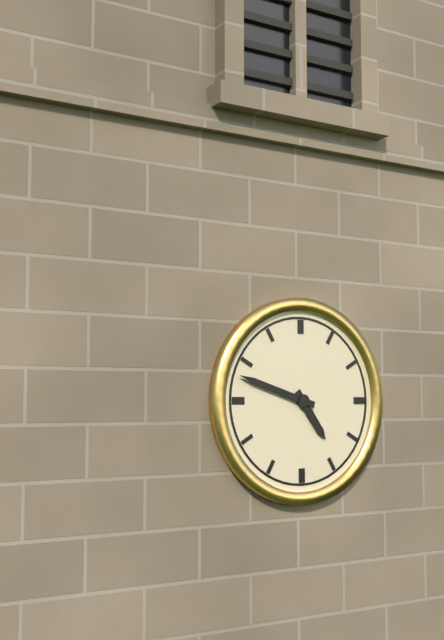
4:48
